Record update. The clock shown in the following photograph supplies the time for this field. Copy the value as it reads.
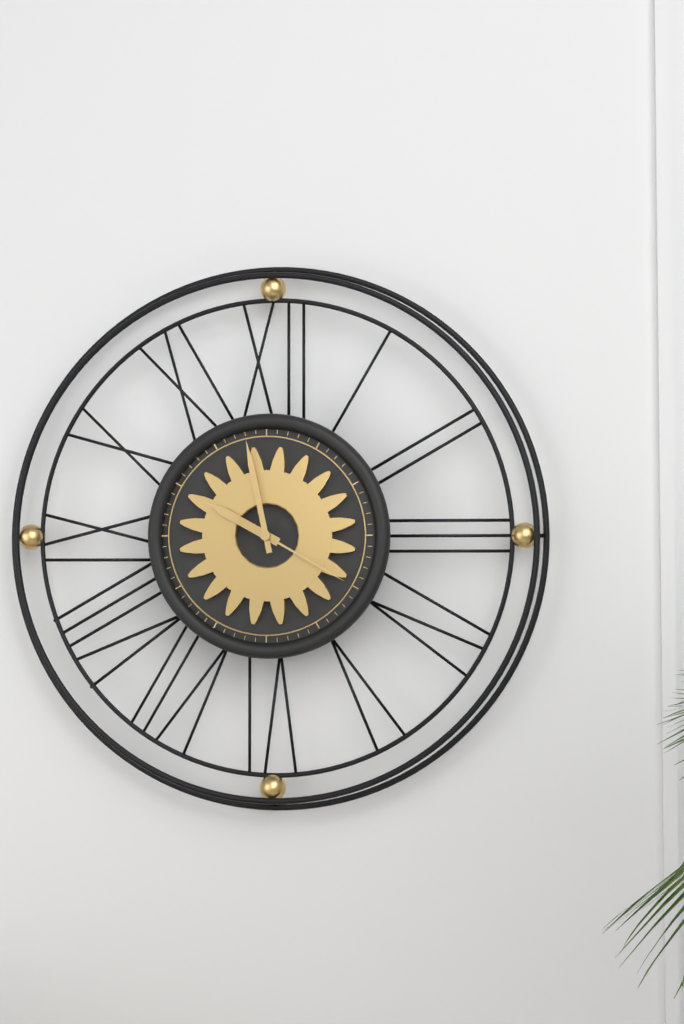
9:58:20
